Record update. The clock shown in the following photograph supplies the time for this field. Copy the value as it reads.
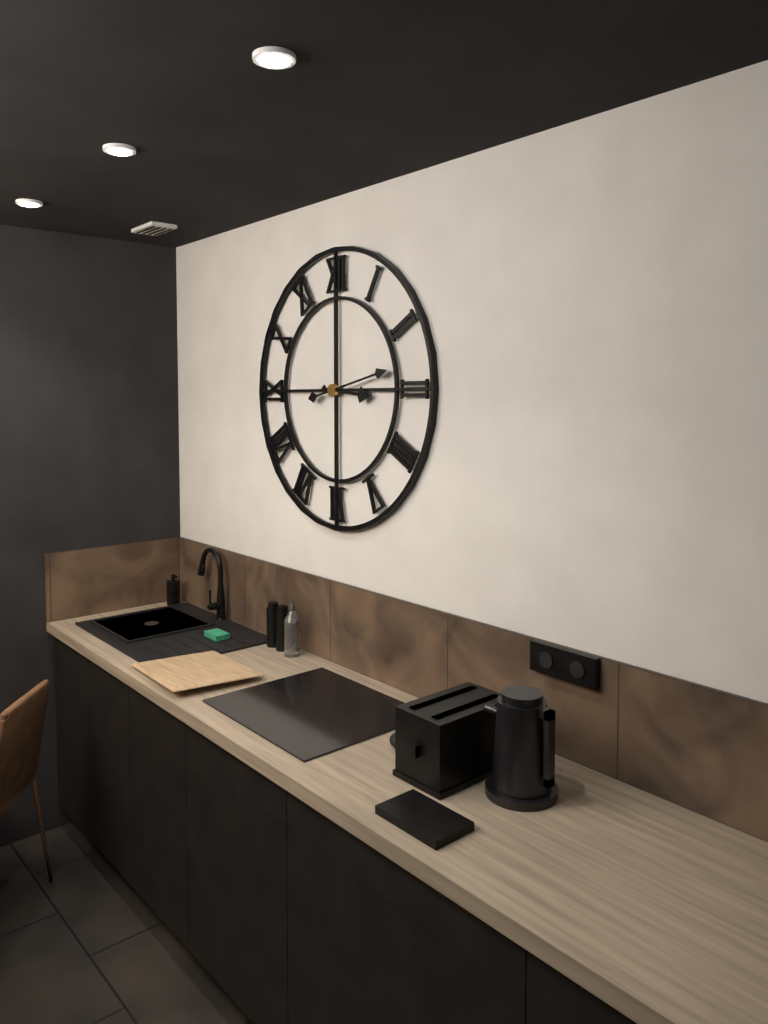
3:13
